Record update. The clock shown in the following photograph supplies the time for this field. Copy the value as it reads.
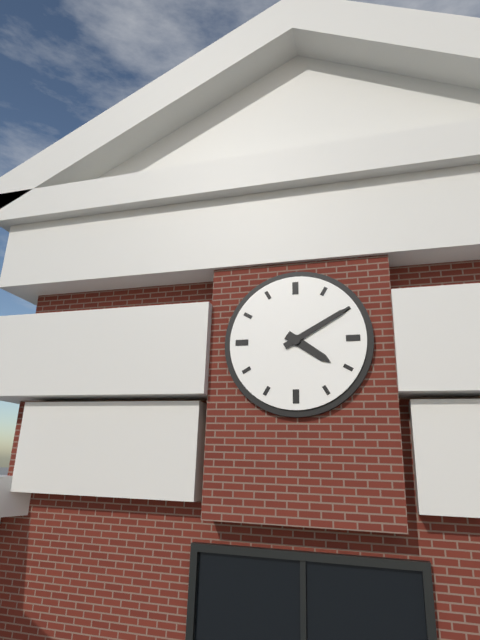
4:10
